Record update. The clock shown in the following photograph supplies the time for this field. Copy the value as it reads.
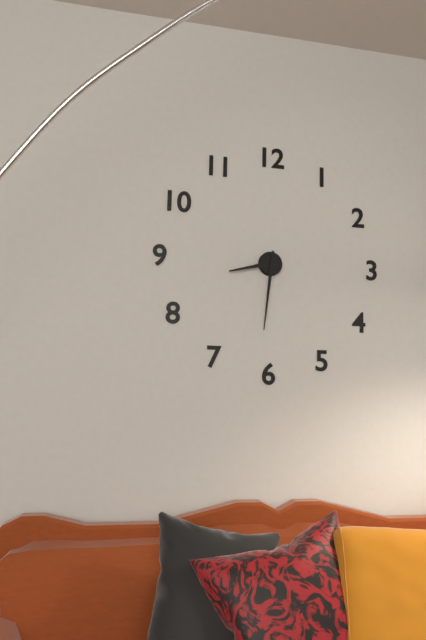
8:31
